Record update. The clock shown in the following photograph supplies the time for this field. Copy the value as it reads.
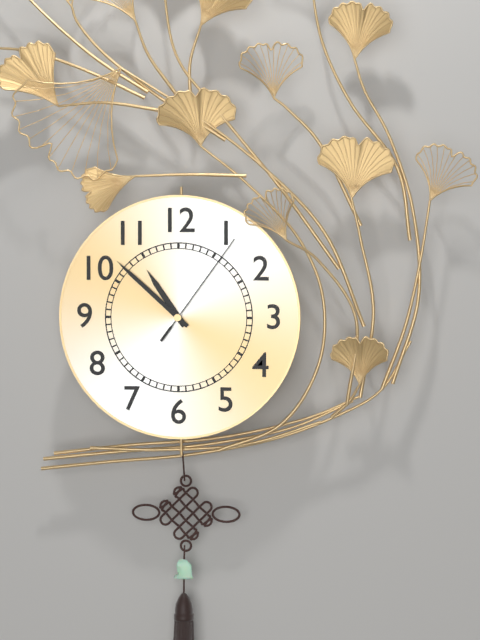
10:52:06
